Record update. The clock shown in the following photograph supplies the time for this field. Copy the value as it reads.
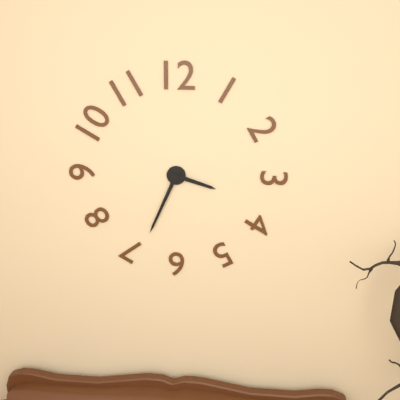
3:34
